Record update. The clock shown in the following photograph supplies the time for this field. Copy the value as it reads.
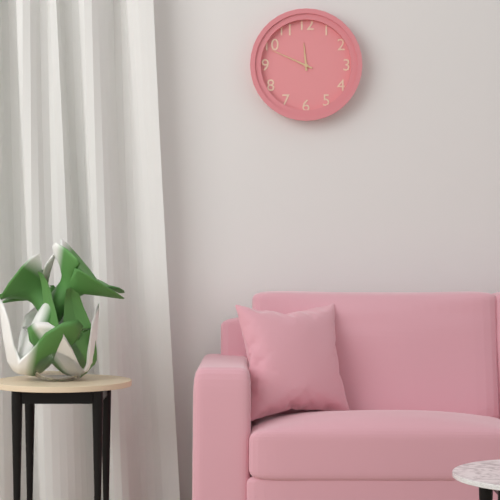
11:49
